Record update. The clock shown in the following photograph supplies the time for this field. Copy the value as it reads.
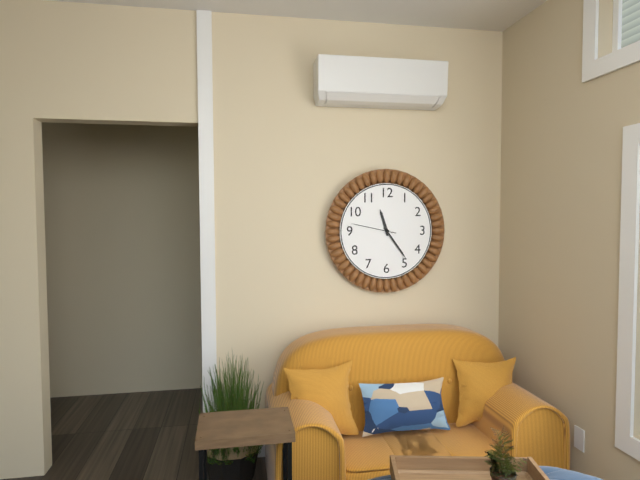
11:24
